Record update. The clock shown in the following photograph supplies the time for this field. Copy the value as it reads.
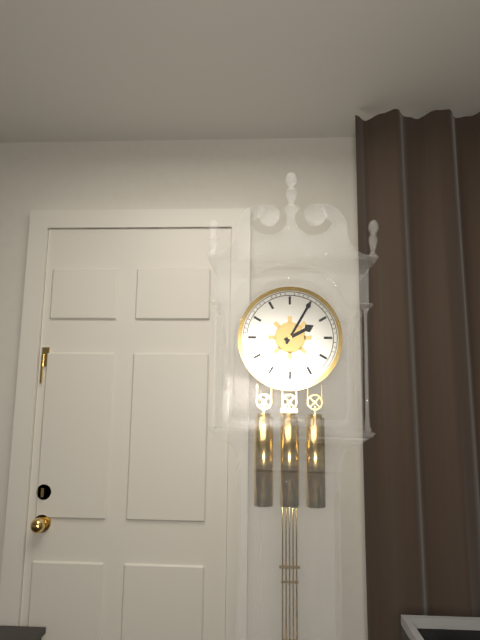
2:05
